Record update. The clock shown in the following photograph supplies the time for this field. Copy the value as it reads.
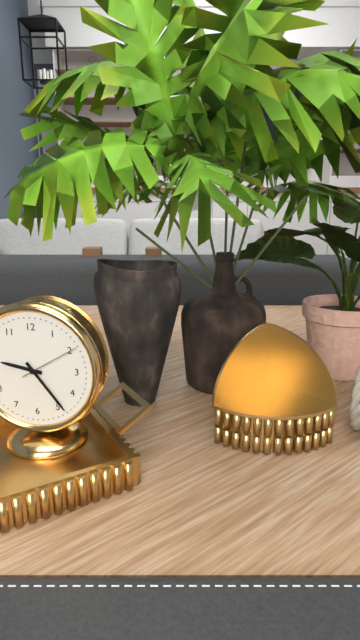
9:24:10
